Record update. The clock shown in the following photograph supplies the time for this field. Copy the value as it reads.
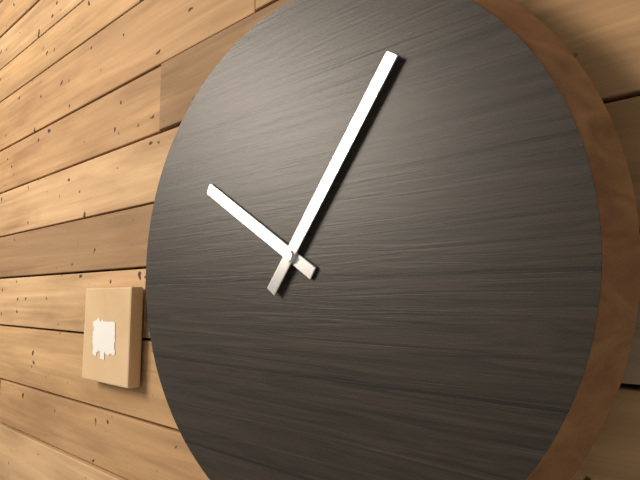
10:06
